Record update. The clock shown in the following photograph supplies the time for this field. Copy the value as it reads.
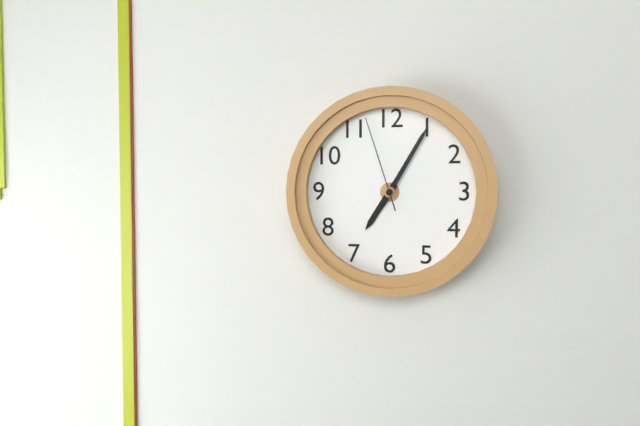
7:05:57
